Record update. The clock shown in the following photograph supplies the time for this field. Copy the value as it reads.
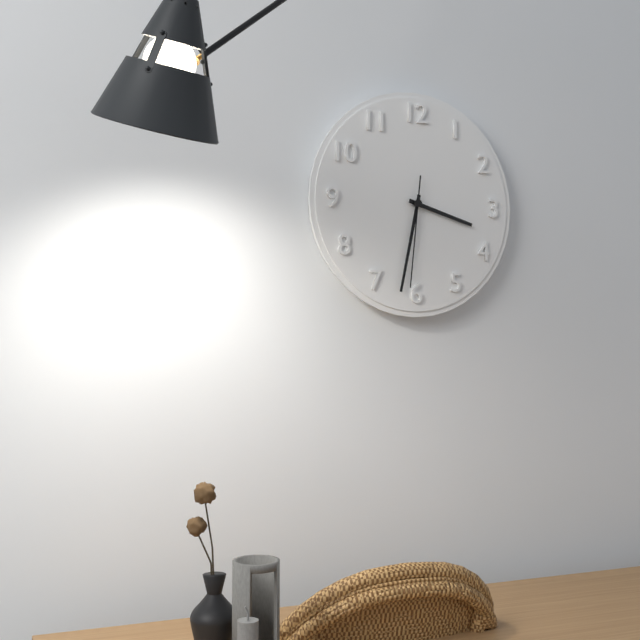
3:32:31
